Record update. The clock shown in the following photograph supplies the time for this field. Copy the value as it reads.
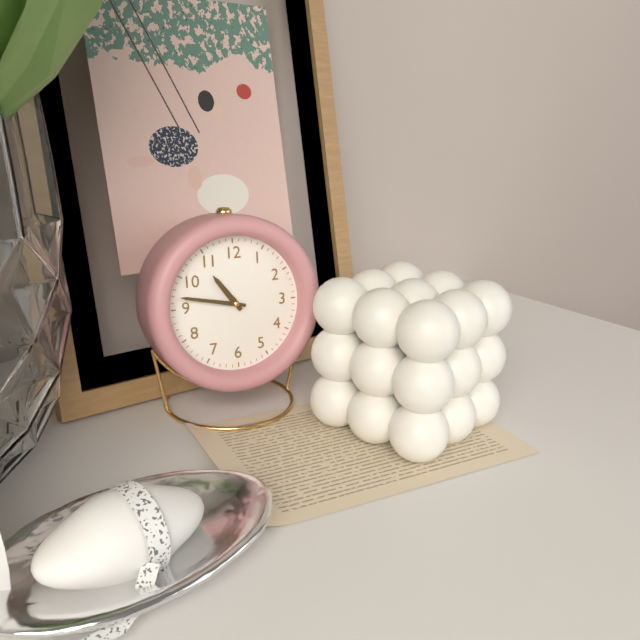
10:47
